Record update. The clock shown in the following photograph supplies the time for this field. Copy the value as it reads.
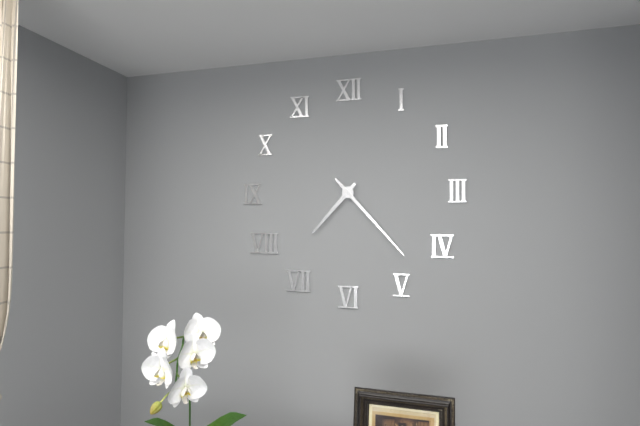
7:23
